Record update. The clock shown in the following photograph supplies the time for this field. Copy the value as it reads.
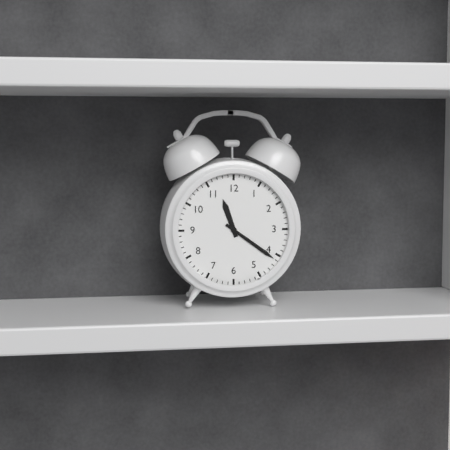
11:21
